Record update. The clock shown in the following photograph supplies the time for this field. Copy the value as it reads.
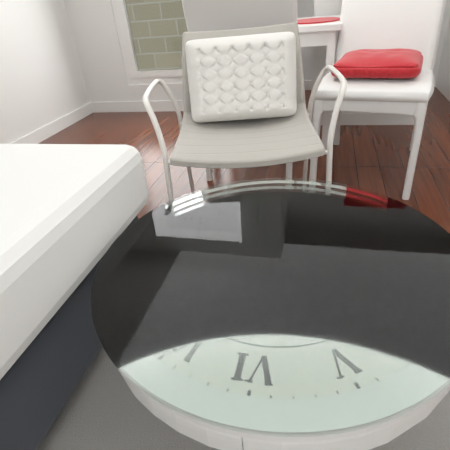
9:12
